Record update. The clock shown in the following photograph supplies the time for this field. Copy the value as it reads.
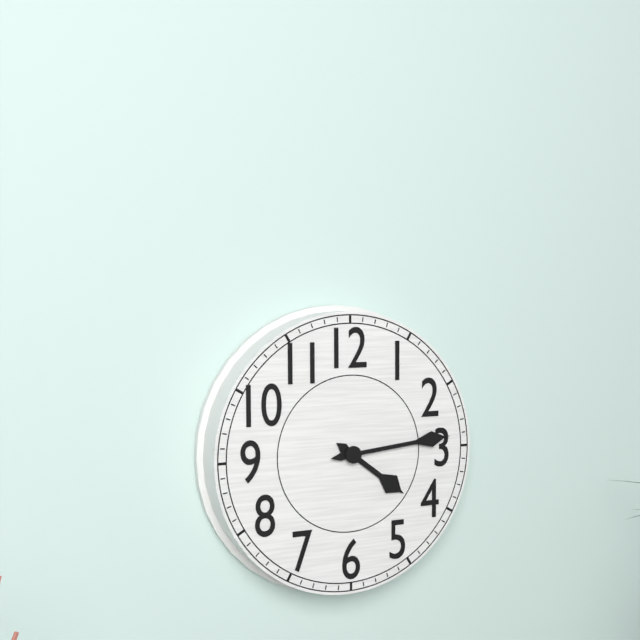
4:14
